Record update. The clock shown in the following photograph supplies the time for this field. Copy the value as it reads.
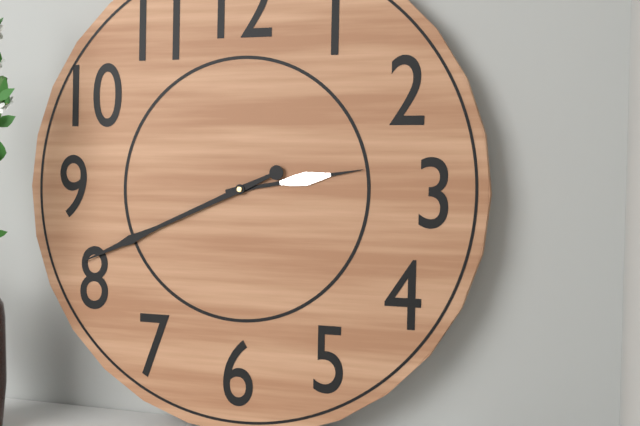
2:41
